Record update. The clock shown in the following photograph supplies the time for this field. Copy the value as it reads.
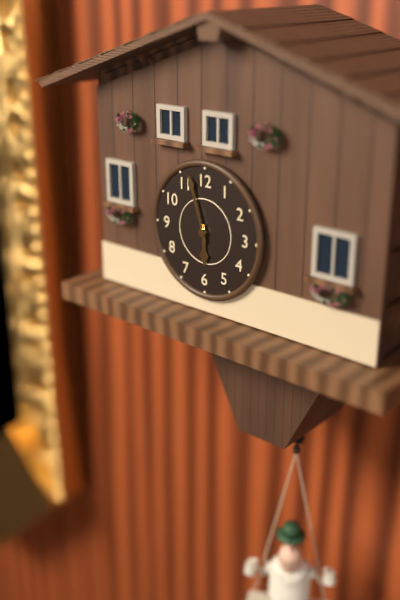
5:57
